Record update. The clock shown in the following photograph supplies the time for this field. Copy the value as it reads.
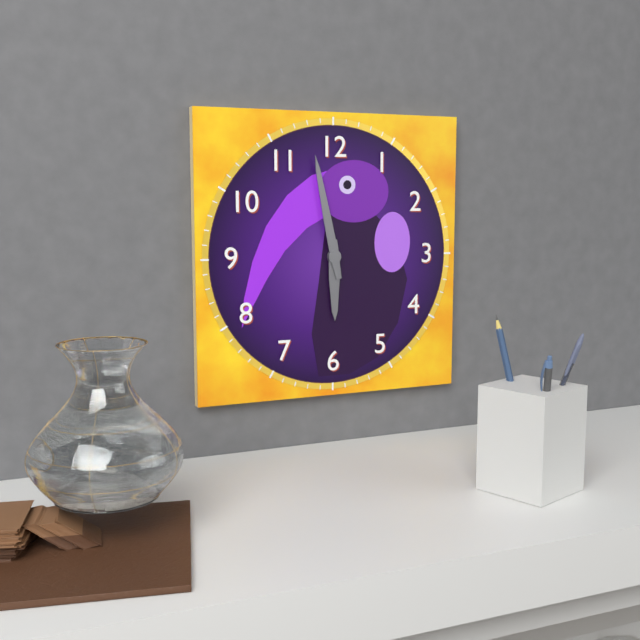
5:58
